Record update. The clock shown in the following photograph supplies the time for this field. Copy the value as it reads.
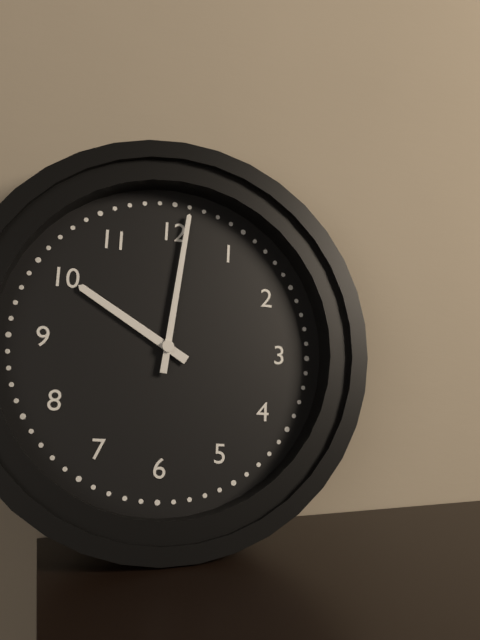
10:01
